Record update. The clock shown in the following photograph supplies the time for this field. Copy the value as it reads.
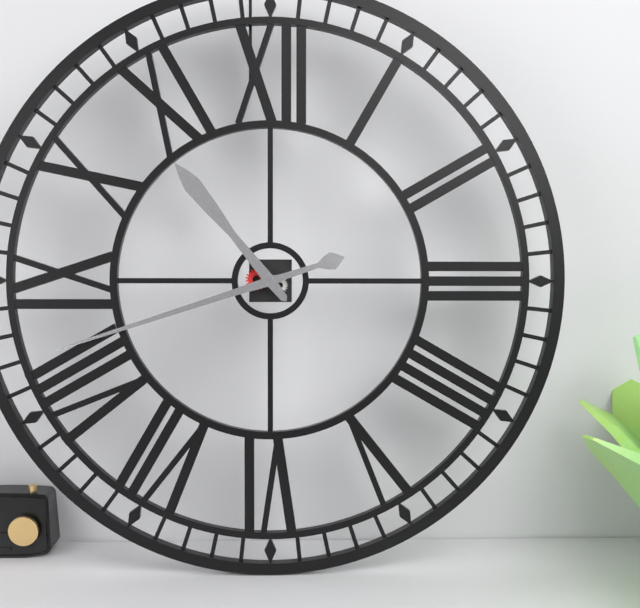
10:42
